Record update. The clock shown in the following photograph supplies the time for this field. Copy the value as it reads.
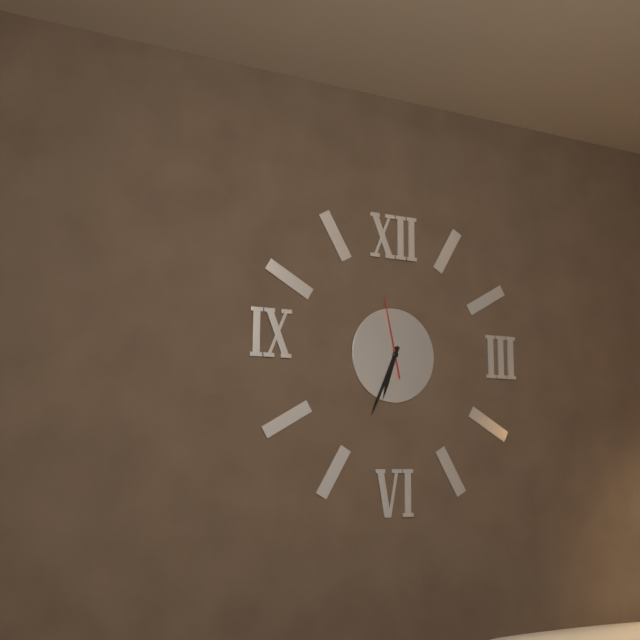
6:34:58
